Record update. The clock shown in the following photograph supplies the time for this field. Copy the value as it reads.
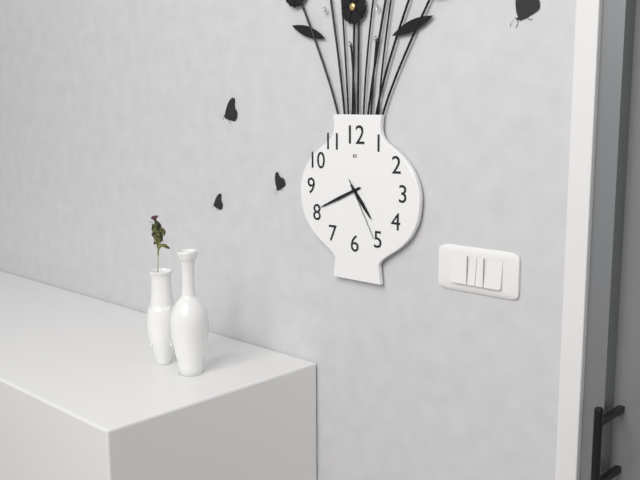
4:41:25
